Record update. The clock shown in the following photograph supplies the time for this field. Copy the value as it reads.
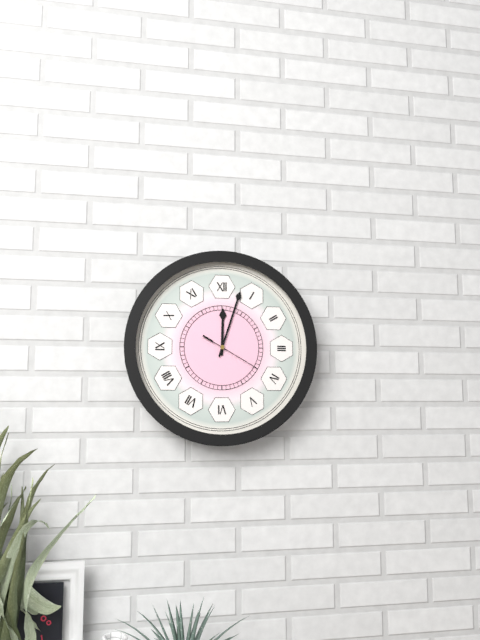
12:03
